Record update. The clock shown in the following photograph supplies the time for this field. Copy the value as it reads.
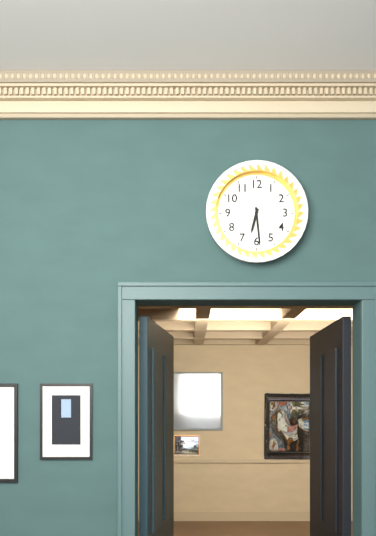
6:29
